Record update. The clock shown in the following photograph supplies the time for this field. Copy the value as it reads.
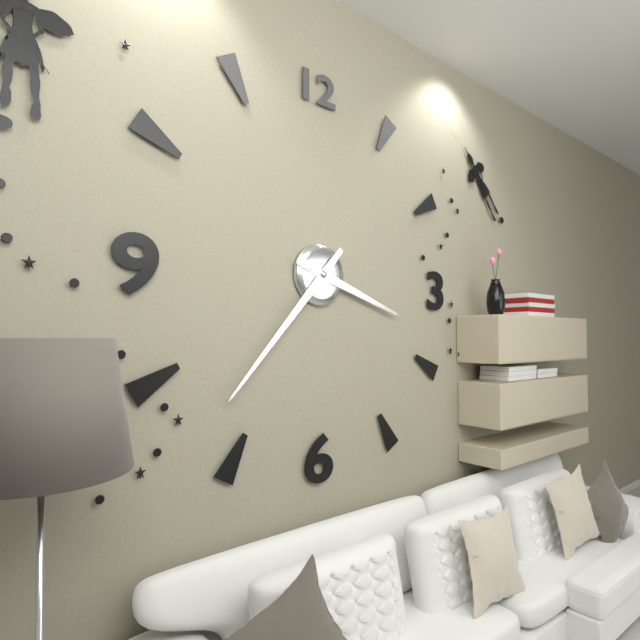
3:37
